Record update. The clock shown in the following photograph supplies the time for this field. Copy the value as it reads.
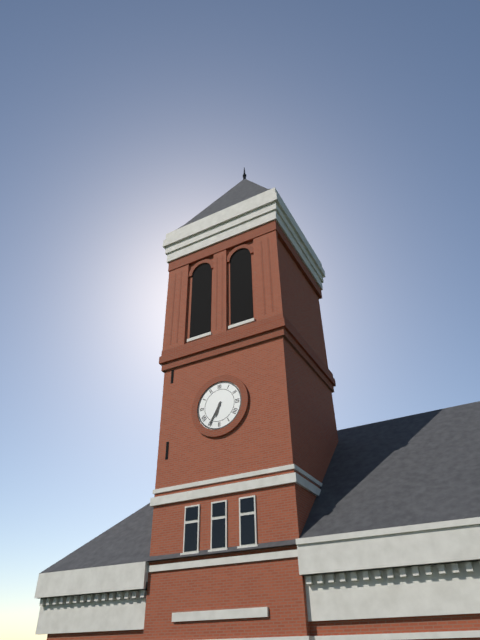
6:35
